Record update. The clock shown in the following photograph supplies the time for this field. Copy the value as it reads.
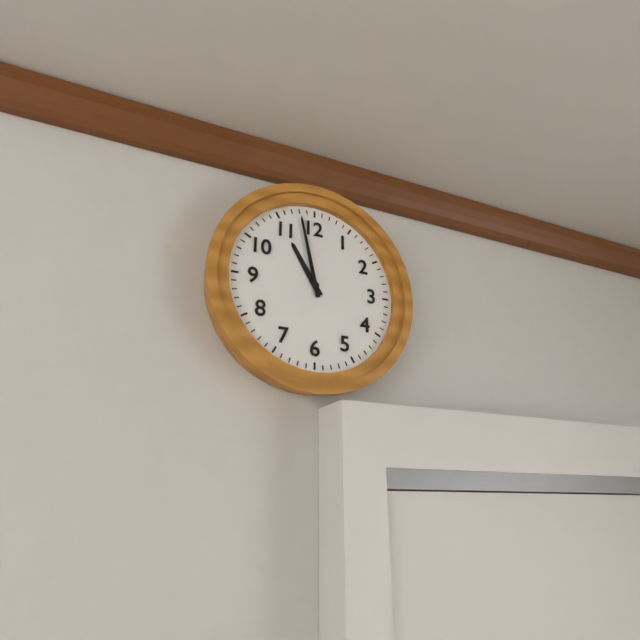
10:58
